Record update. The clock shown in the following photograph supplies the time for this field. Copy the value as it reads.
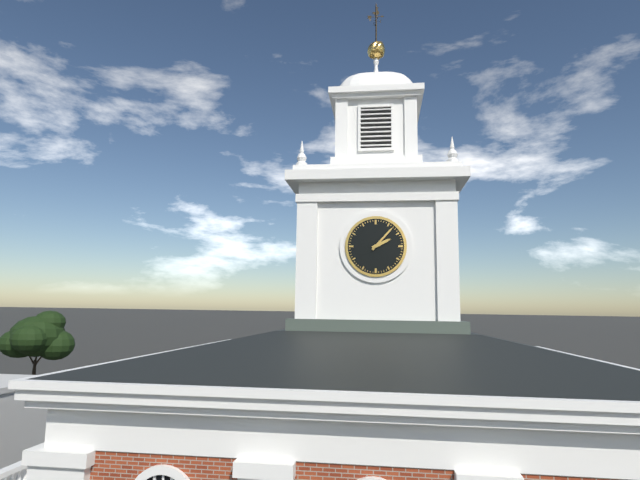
2:07
